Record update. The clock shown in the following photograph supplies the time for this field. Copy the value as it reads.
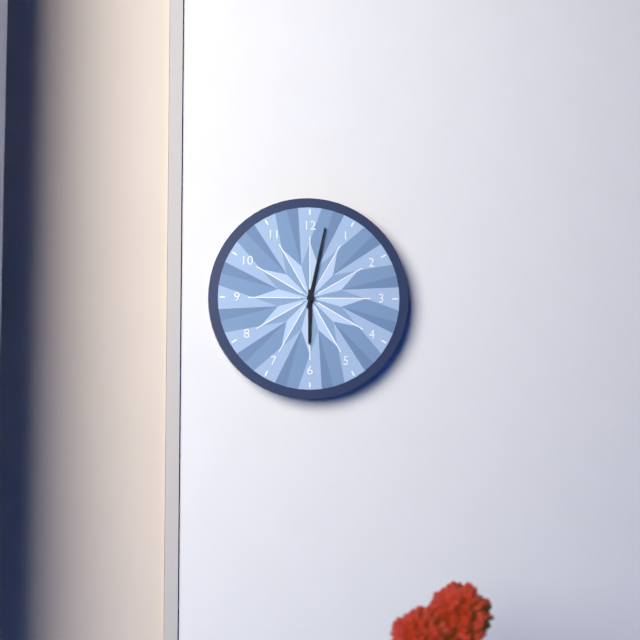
6:02
